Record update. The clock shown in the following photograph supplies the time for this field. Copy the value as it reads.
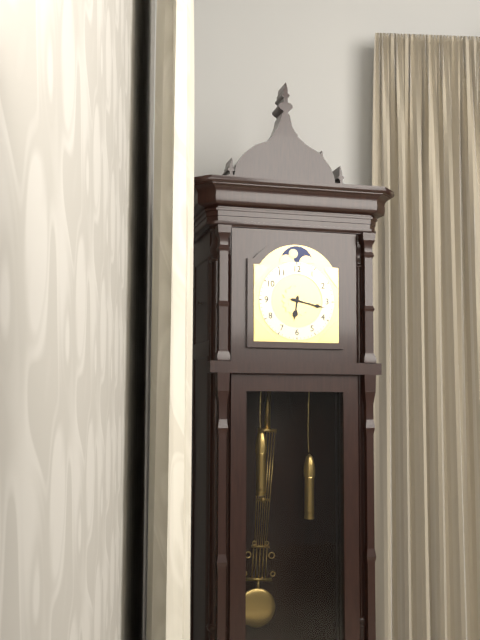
6:17
